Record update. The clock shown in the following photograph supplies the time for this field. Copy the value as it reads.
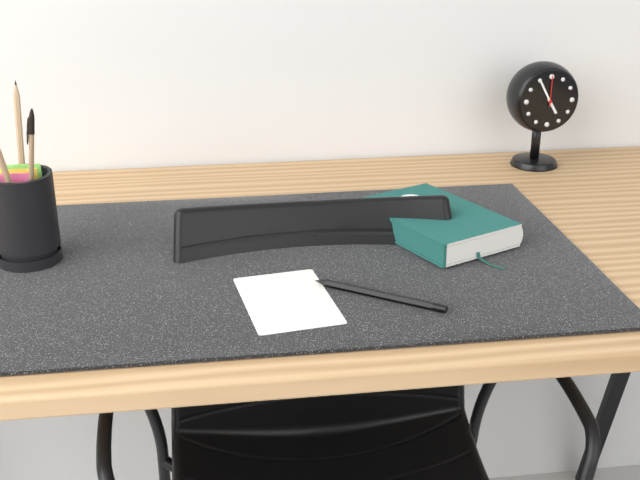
4:55
